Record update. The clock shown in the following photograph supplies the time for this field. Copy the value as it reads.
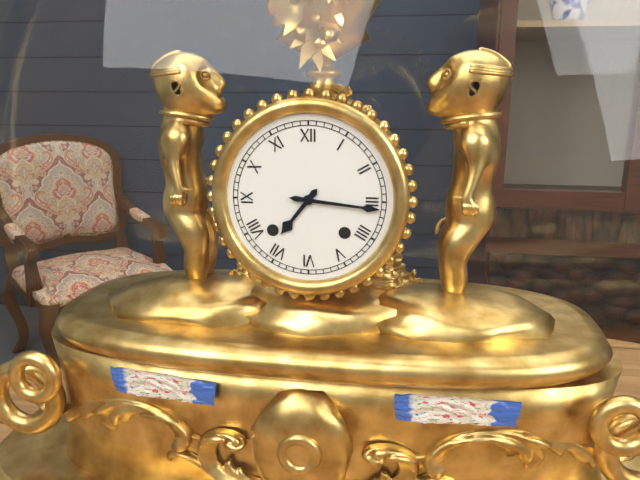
7:16
